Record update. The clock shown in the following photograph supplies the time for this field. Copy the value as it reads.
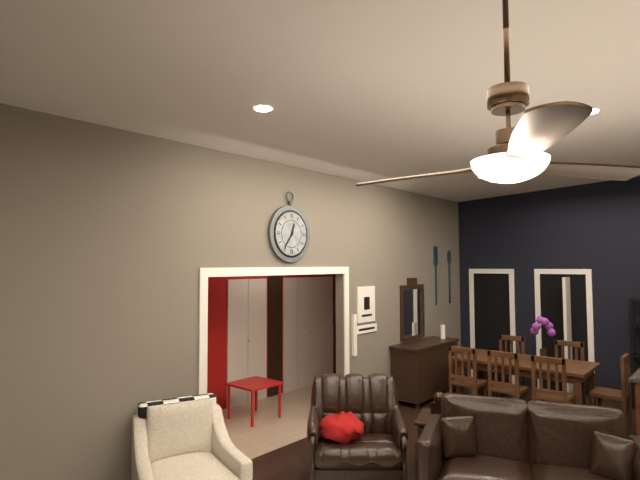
12:36
